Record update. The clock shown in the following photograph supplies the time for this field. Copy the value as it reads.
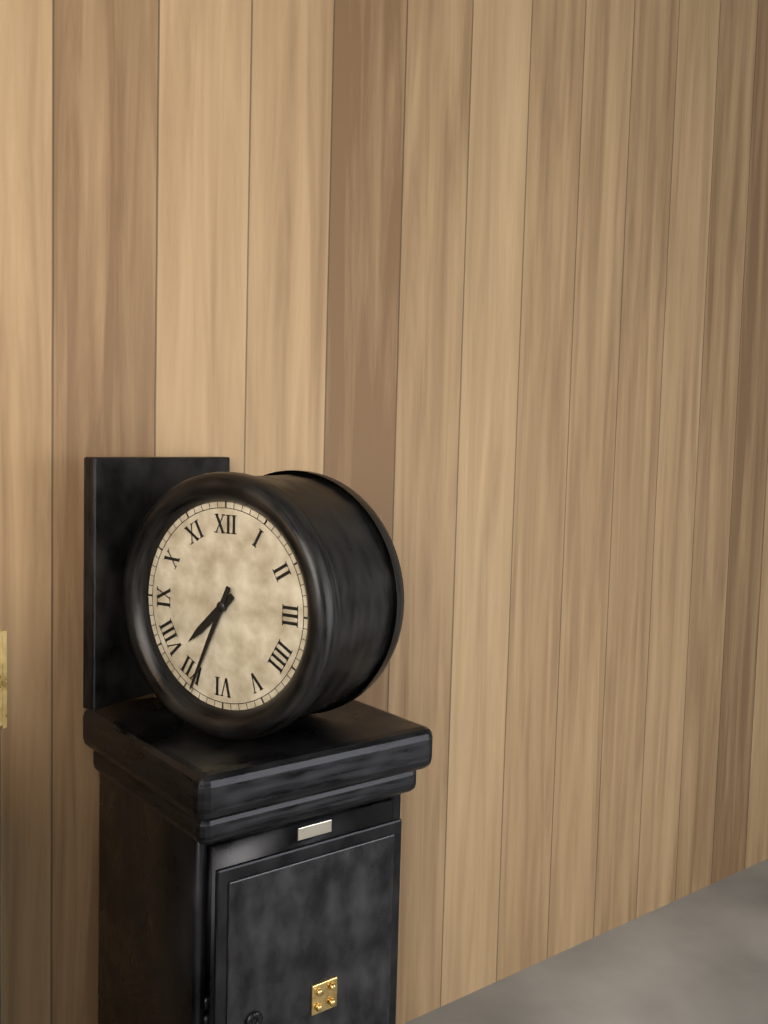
7:34
